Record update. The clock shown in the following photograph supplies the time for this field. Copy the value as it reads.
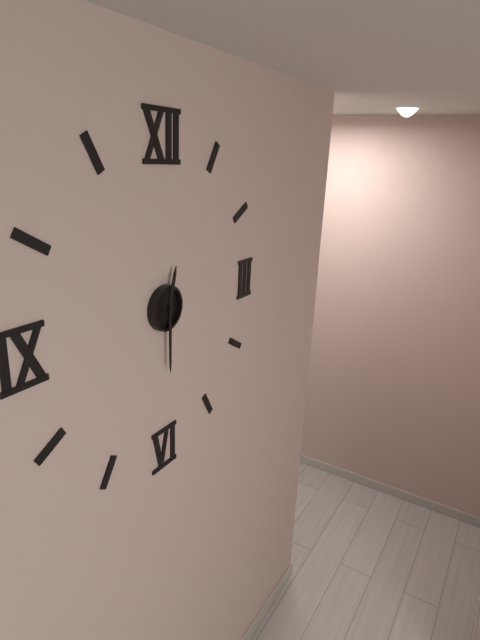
12:30
